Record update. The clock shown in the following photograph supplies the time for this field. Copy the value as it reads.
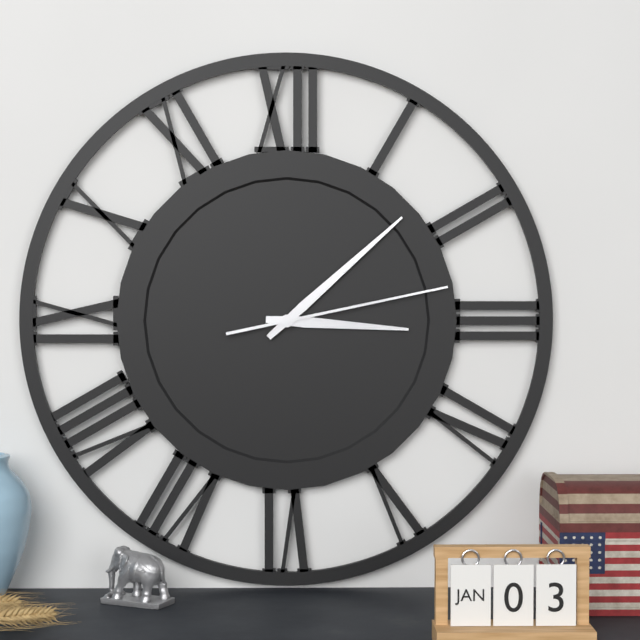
3:08:13
